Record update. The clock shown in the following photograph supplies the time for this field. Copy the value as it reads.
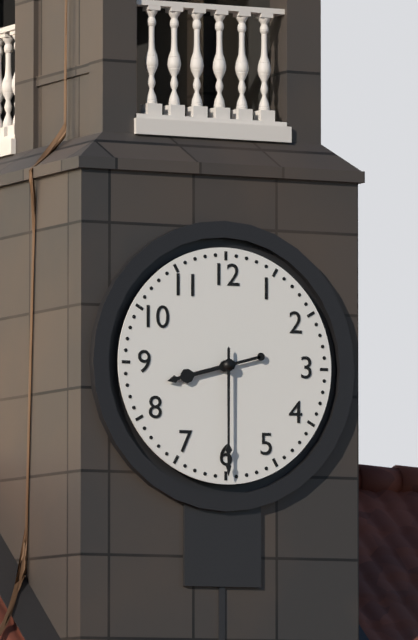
8:30
